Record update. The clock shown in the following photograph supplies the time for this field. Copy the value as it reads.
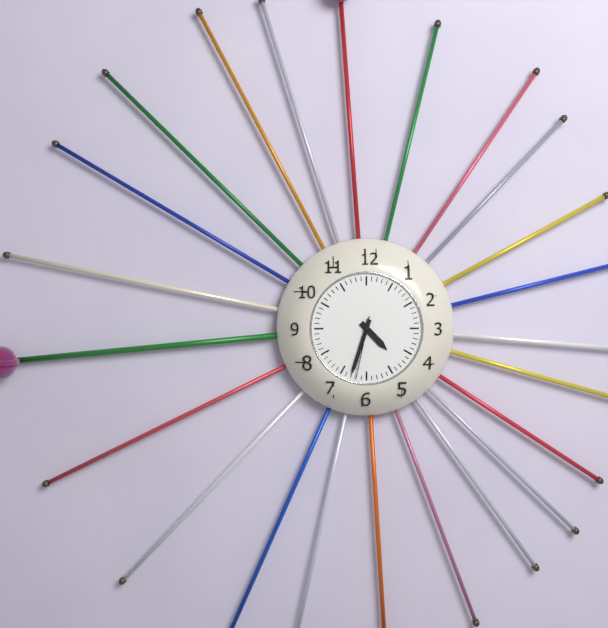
4:33:32
